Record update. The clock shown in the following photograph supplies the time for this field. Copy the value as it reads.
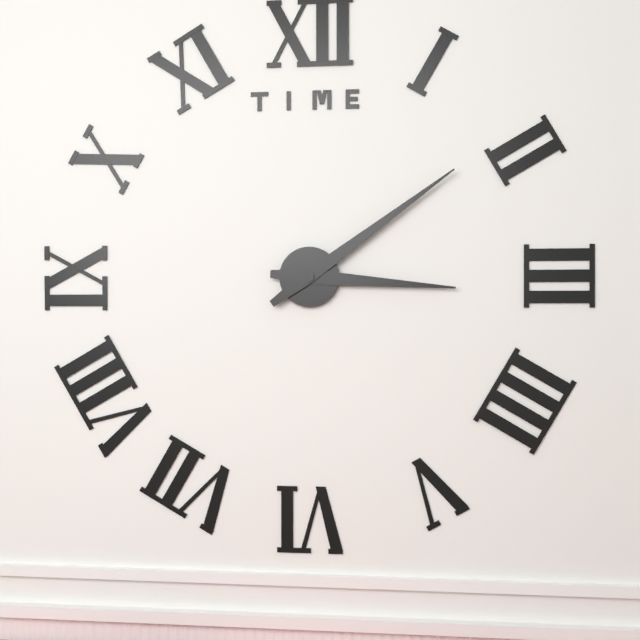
3:09
